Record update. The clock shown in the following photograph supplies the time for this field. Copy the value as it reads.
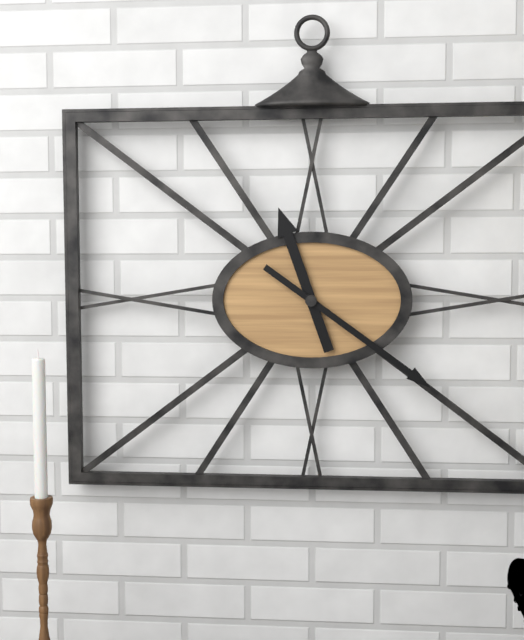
11:21
